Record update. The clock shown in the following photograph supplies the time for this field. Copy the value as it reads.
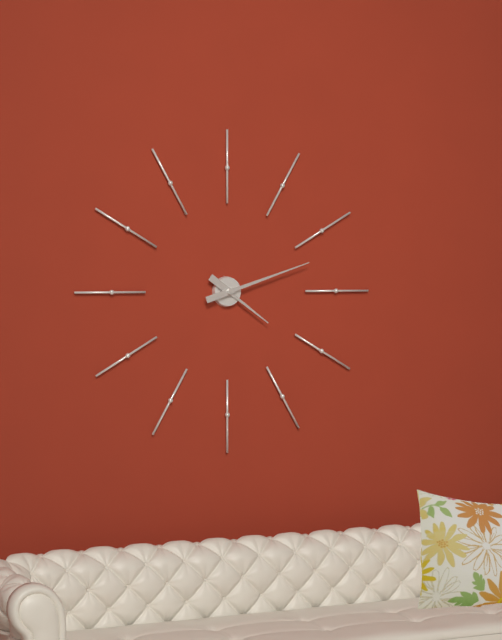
4:12
